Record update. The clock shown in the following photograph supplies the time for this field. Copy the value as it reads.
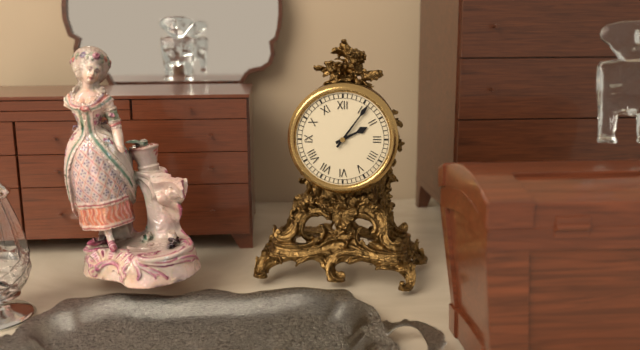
2:06
